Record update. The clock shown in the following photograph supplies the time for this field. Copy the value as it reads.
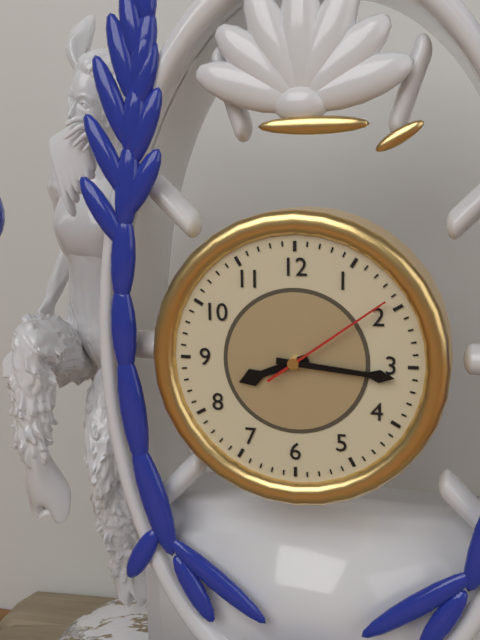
8:16:09
